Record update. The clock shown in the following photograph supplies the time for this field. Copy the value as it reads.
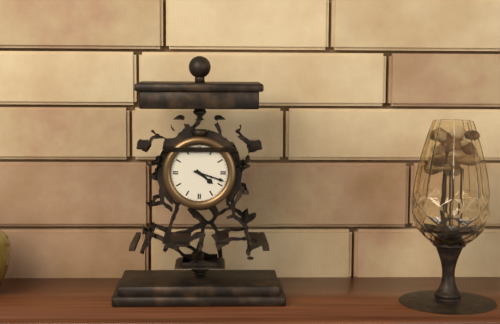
4:18
